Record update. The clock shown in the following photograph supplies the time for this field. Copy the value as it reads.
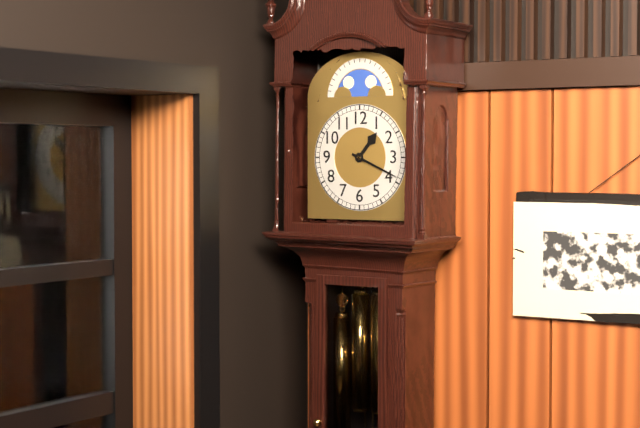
1:19
